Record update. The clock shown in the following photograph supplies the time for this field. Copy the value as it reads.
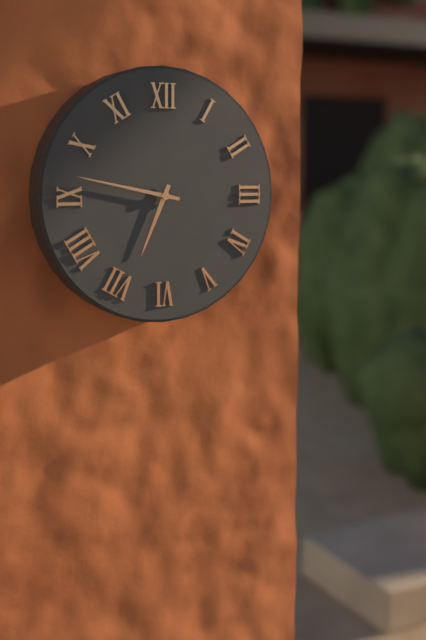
6:47
